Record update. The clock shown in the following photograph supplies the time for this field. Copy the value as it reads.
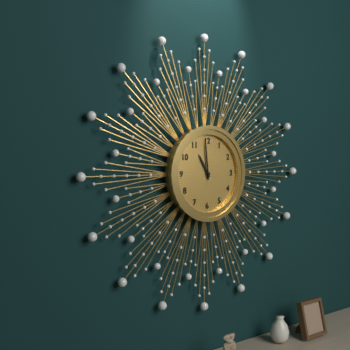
10:59
